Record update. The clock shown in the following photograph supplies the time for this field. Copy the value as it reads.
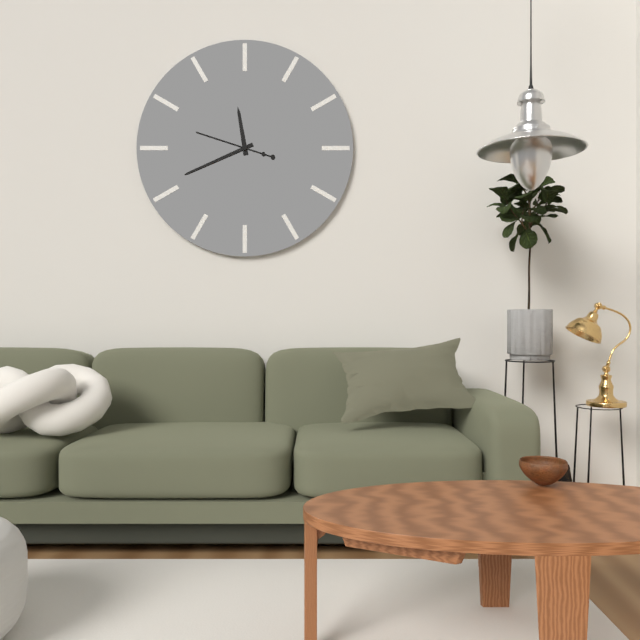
11:41:48
